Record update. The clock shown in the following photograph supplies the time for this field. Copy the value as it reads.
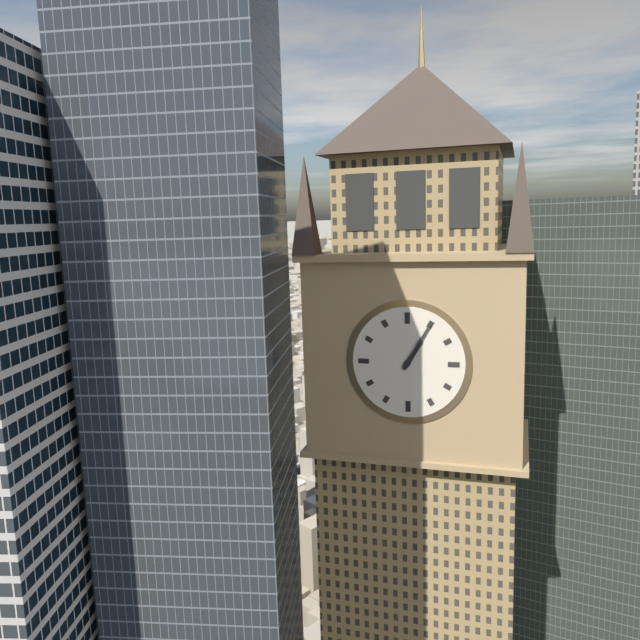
1:05
